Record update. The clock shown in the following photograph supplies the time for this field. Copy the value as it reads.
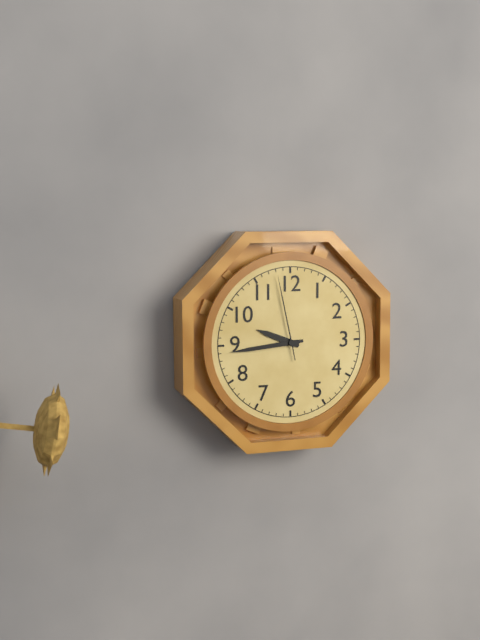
9:44:58
